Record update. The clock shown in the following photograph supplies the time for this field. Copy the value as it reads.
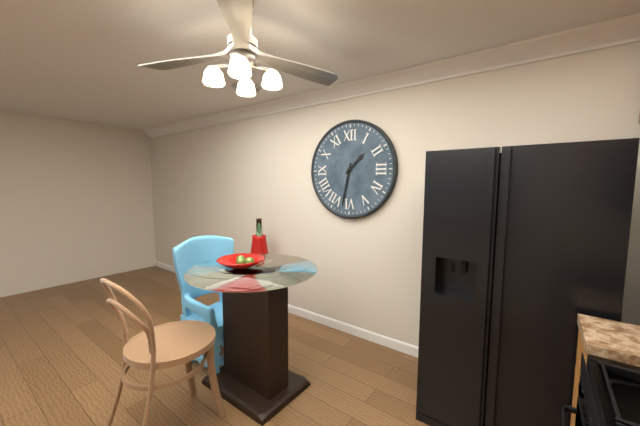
1:32
